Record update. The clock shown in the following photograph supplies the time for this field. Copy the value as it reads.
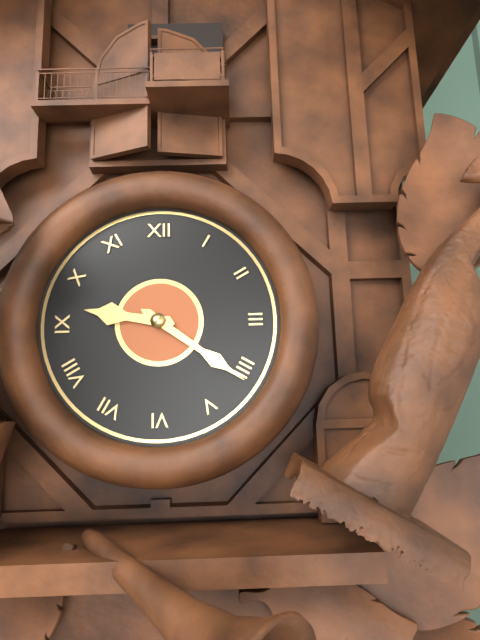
9:21
